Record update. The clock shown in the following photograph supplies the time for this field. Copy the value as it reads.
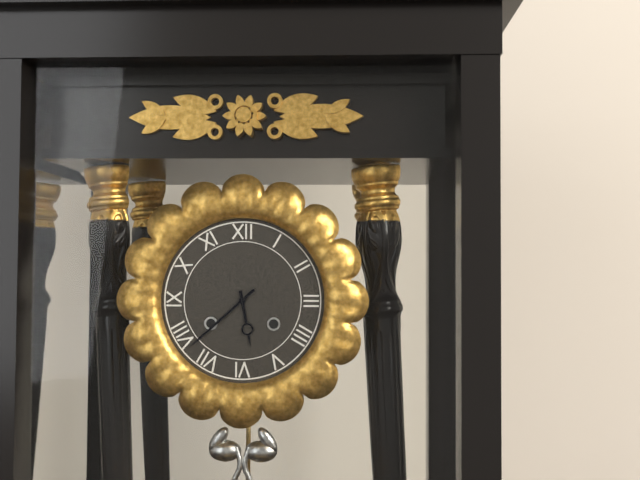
5:38
